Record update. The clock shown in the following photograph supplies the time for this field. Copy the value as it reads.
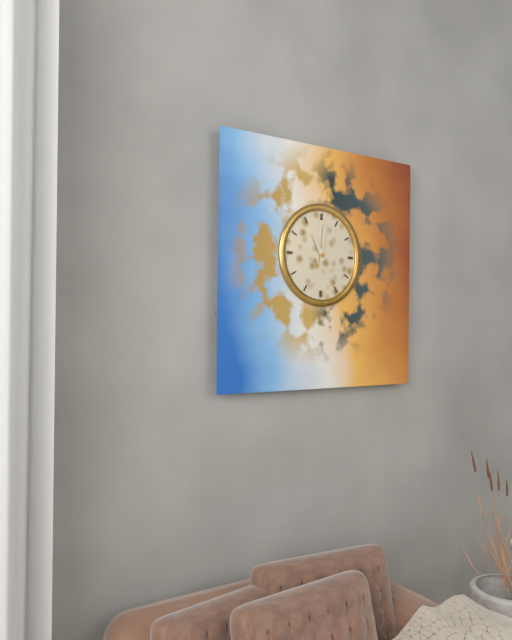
11:01
